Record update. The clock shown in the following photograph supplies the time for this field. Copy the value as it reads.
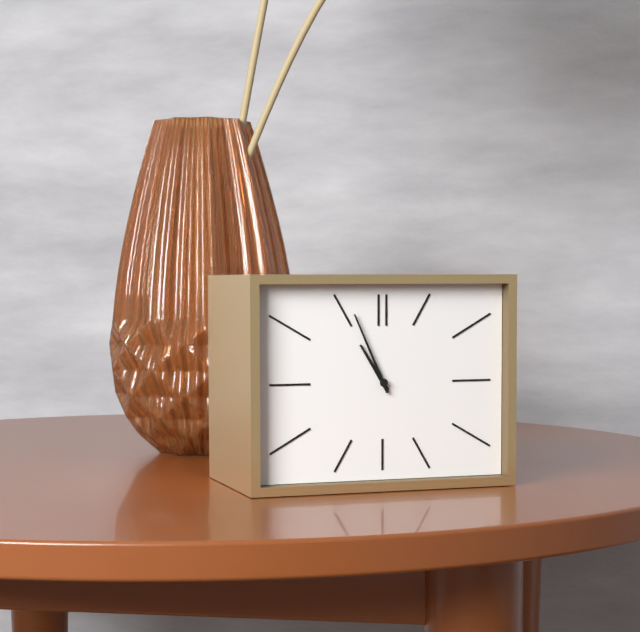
10:56
